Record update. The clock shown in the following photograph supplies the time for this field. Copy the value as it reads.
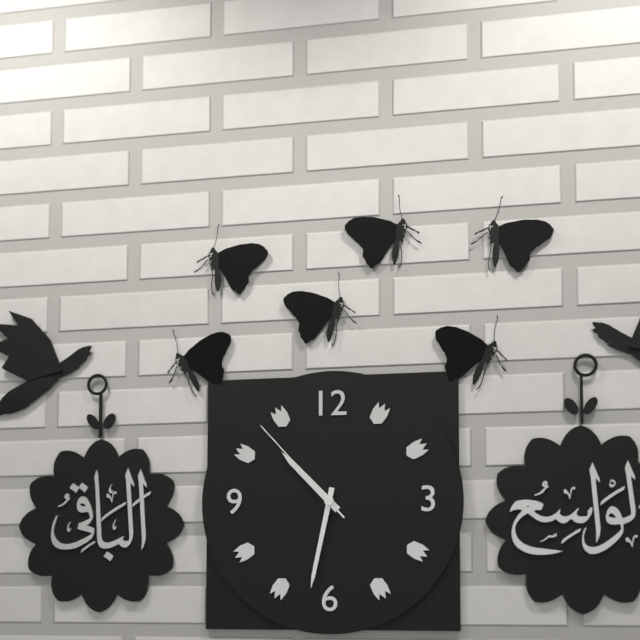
10:32:53
